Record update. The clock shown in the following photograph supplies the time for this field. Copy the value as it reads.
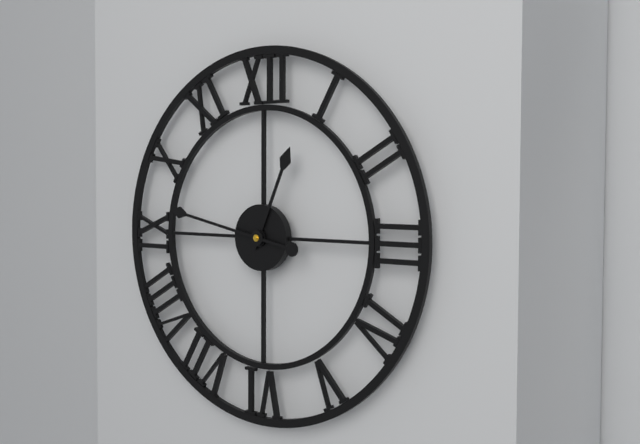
12:47
